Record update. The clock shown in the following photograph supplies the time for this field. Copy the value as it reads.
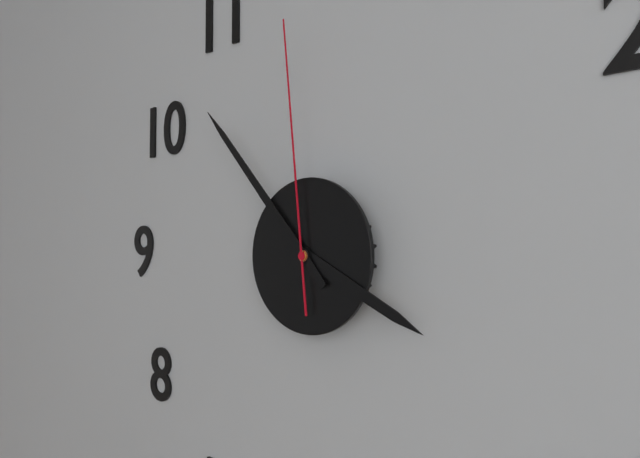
3:53:59
